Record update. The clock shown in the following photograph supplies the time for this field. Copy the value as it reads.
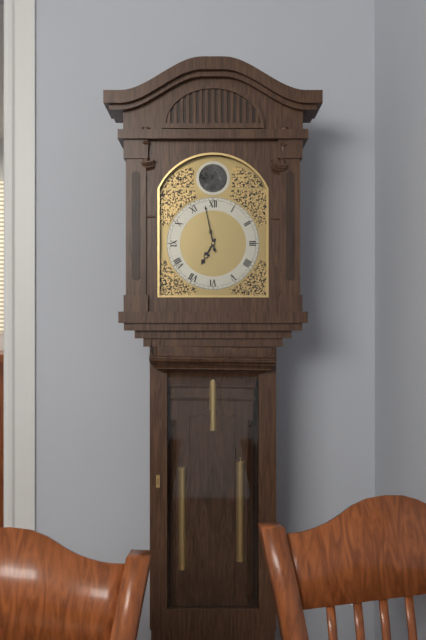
6:58
